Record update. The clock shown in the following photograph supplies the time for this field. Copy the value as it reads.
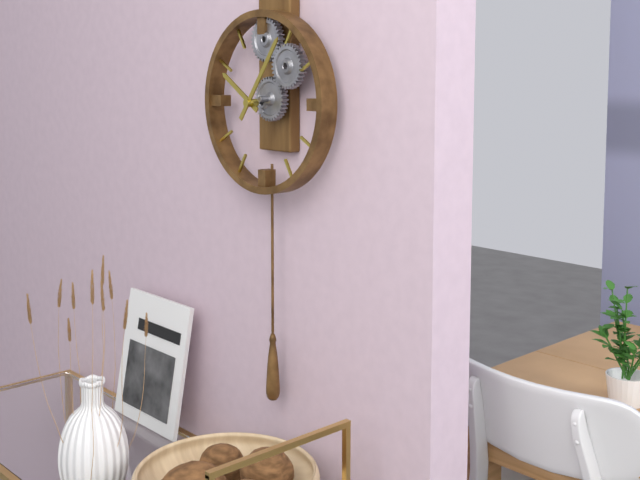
10:06
